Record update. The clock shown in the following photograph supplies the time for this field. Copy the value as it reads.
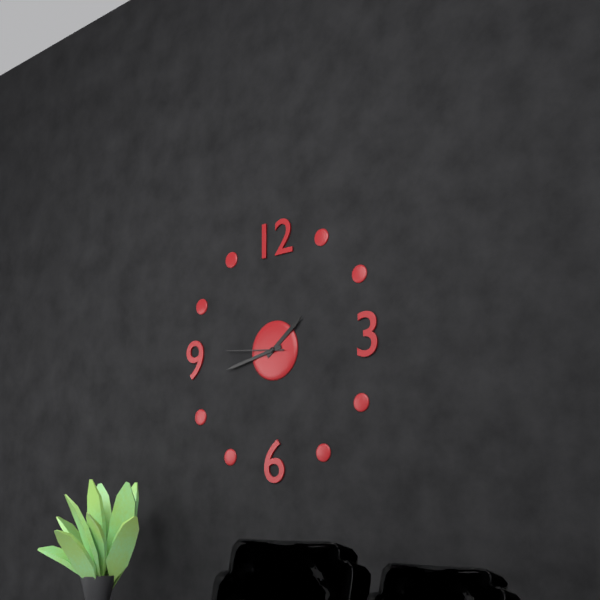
1:43:46
